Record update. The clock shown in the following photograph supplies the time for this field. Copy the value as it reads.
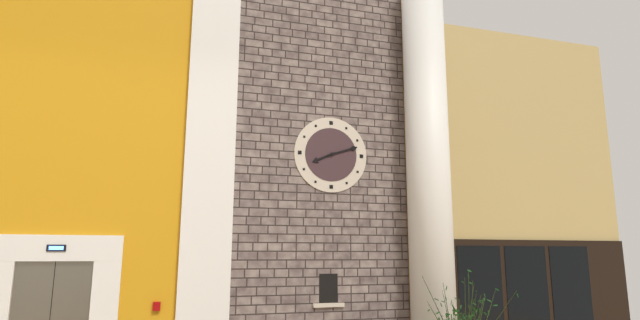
8:12
